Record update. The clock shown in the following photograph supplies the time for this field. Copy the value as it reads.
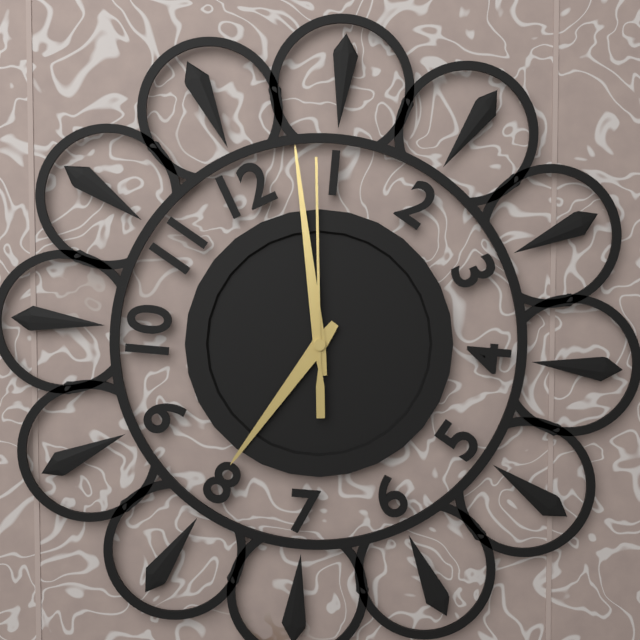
8:03:04
